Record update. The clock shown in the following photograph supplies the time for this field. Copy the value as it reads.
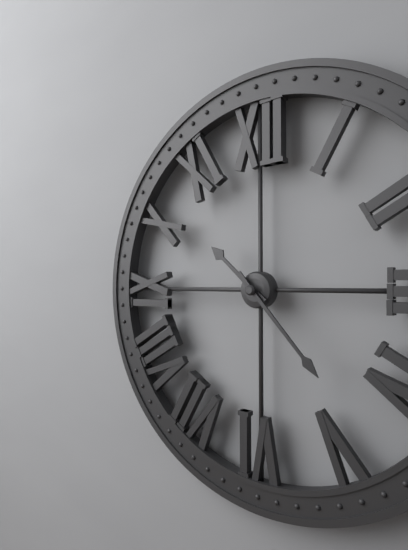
10:23
